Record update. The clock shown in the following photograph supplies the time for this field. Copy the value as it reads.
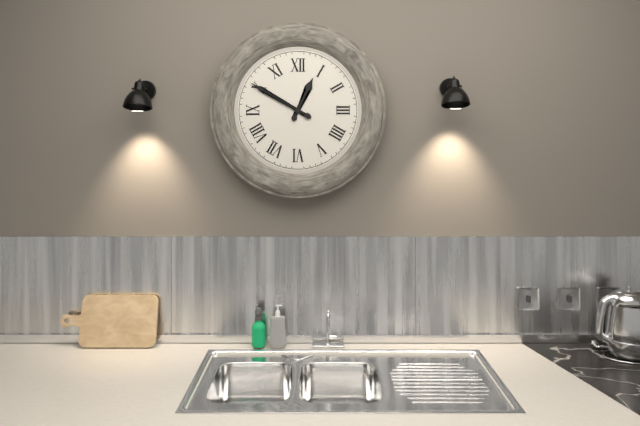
12:50
